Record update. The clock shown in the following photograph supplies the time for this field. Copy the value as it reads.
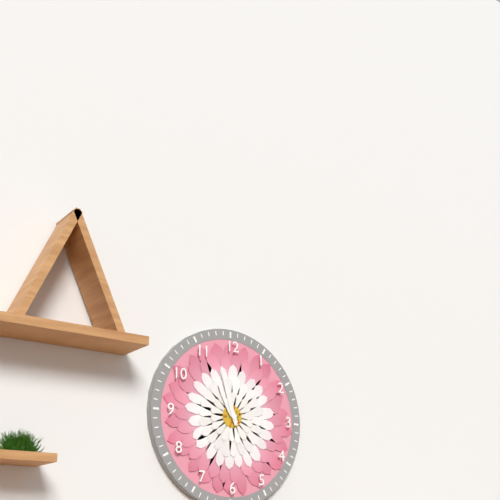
10:57
